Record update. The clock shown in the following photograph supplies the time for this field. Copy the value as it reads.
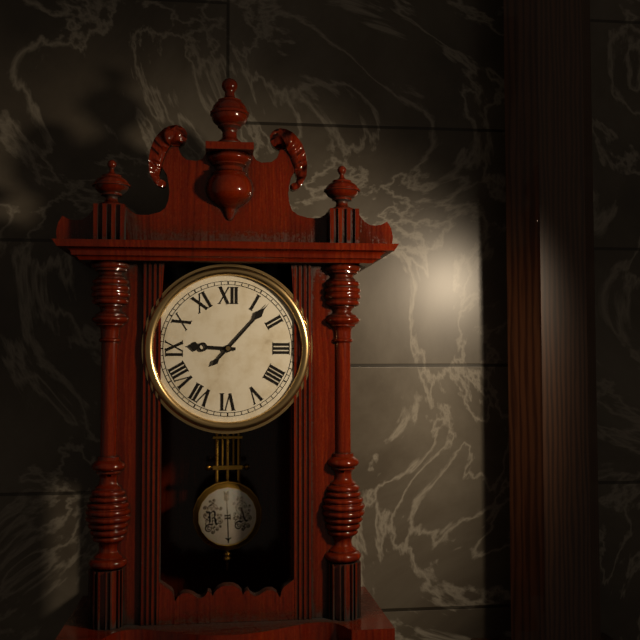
9:07
